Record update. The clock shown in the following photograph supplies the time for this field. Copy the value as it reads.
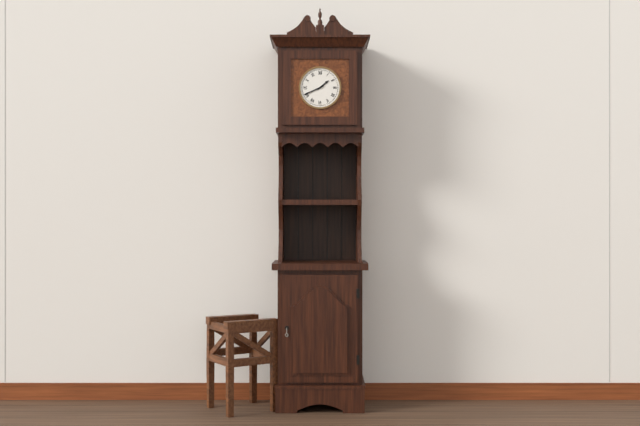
1:41
